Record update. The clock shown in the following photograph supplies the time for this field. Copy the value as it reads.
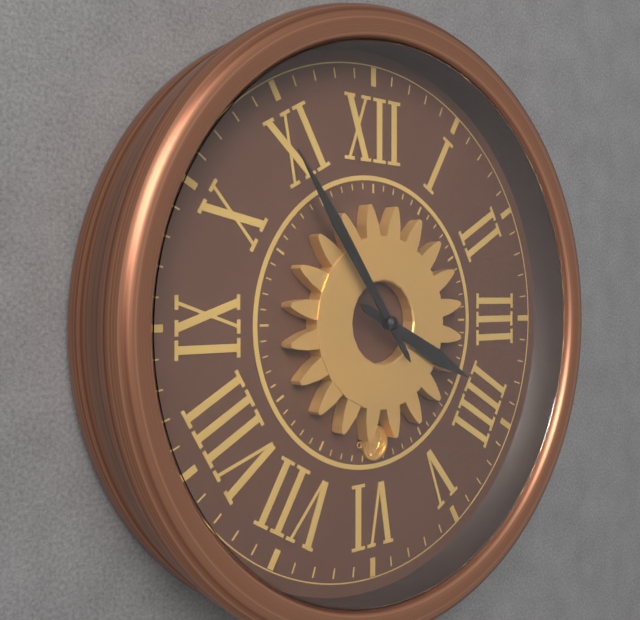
3:54
